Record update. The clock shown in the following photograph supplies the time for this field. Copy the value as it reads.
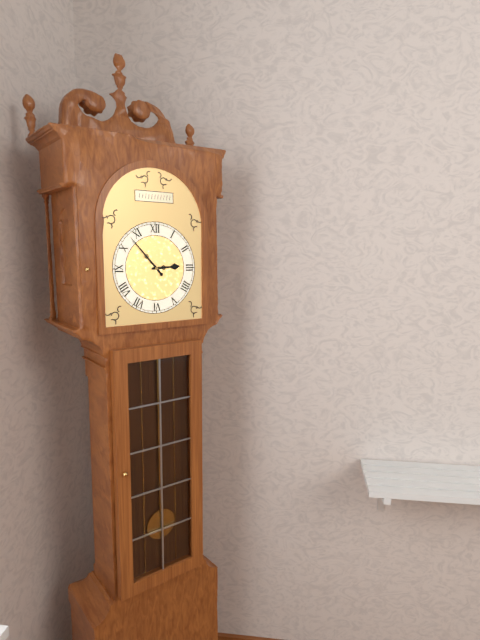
2:53
